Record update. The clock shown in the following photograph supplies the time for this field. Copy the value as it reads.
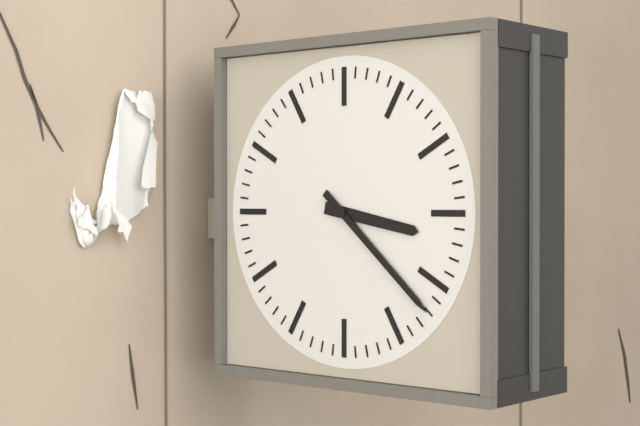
3:22
